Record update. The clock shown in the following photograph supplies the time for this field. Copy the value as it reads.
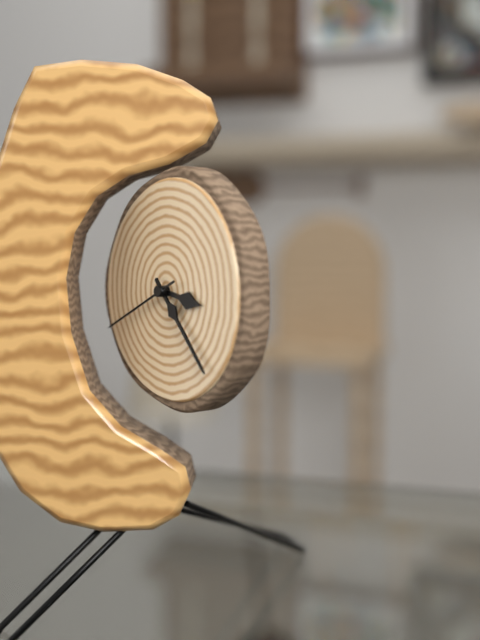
3:23:41
